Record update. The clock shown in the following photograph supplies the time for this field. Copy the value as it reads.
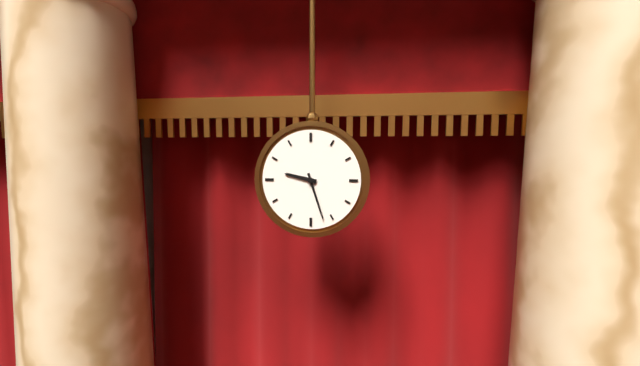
9:27
